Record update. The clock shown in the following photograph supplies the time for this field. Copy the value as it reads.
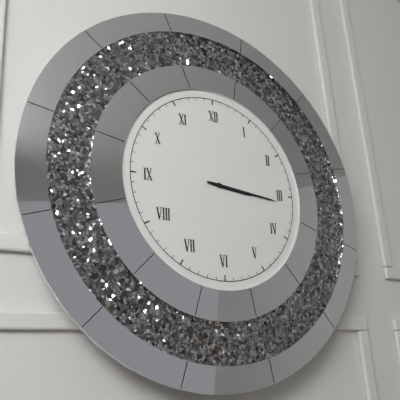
3:16
